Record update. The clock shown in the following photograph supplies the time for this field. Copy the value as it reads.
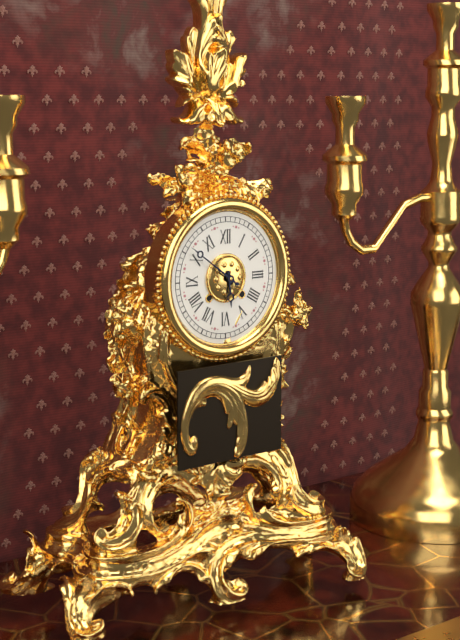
5:51
